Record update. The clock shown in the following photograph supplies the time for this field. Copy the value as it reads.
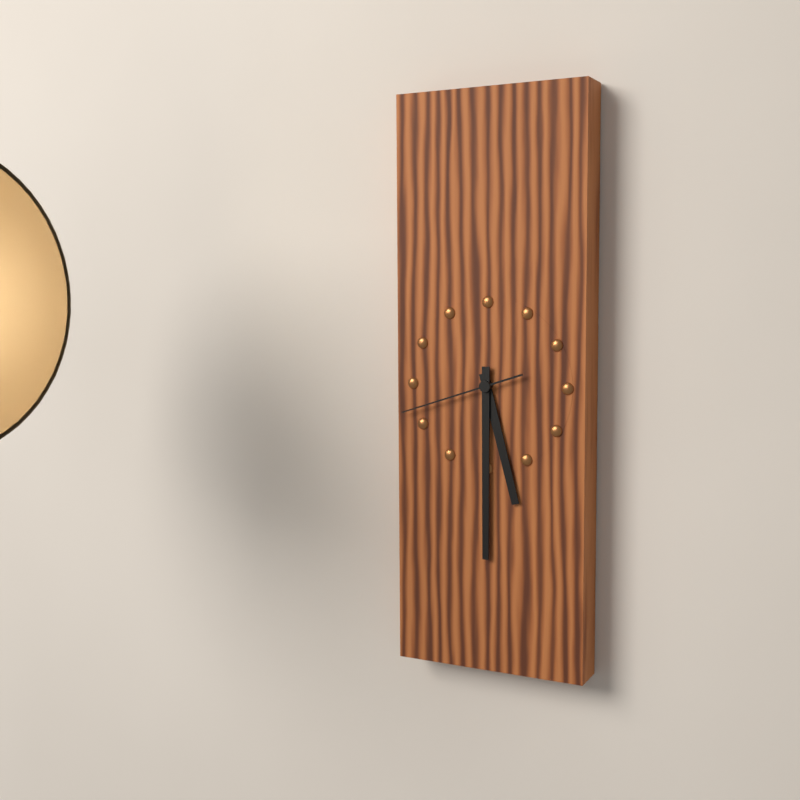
5:30:42
